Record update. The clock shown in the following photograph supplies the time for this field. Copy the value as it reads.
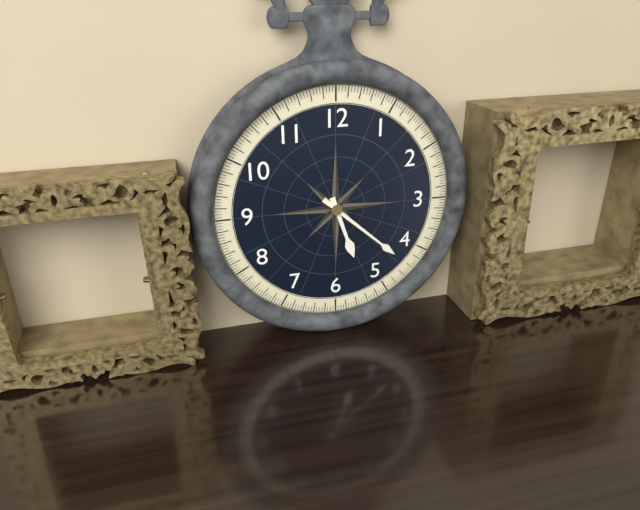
5:22
